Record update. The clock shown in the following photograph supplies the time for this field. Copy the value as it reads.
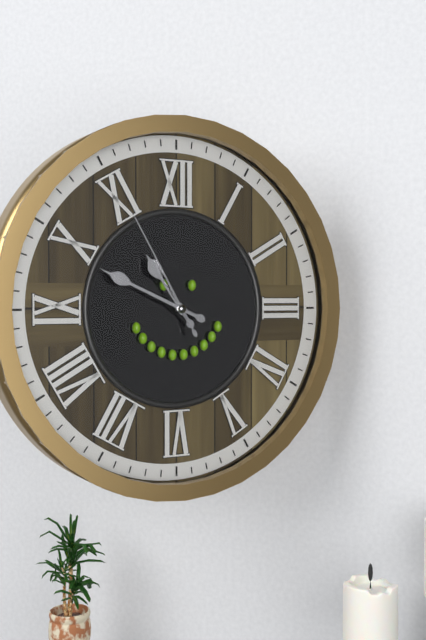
10:49:55
